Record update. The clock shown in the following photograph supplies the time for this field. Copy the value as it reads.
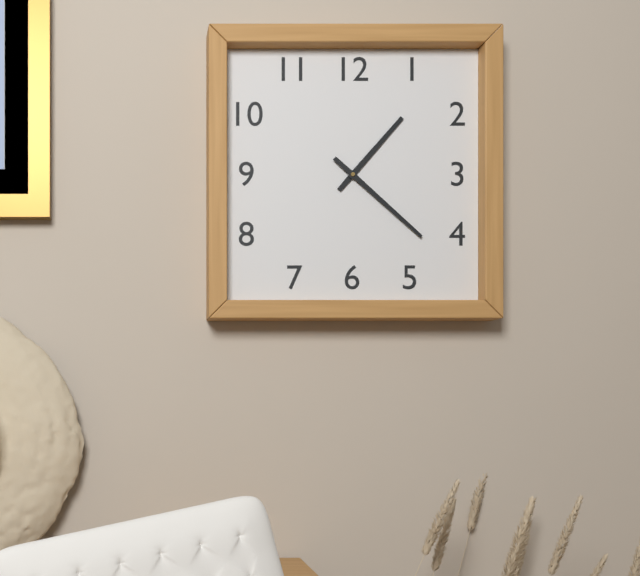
1:22
